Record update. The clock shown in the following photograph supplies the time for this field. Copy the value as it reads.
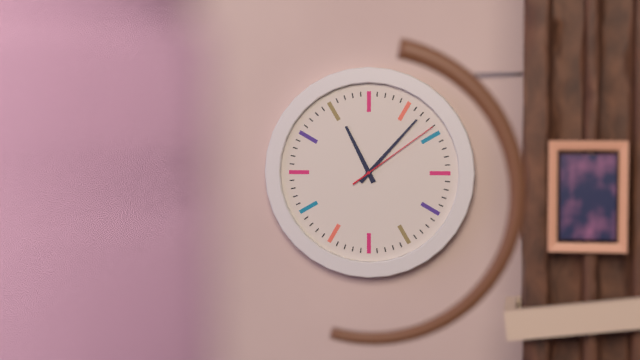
11:07:09
